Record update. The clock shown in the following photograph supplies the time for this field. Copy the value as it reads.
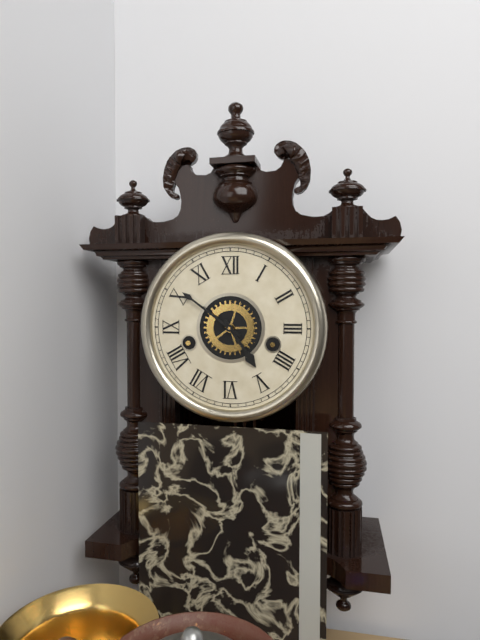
4:51
